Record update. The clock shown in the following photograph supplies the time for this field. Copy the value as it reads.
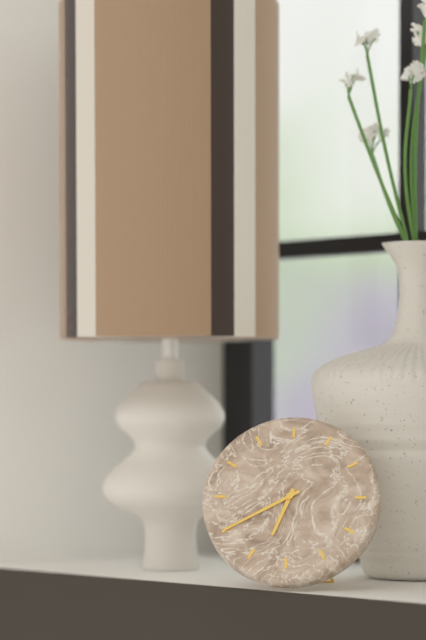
6:40
